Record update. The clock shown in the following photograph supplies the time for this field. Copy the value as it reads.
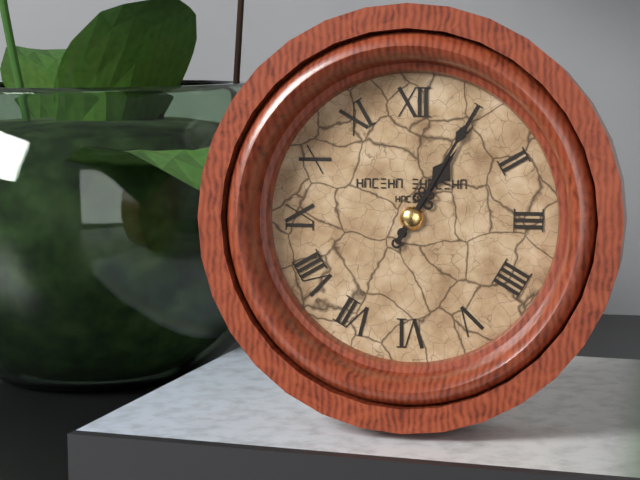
1:05
